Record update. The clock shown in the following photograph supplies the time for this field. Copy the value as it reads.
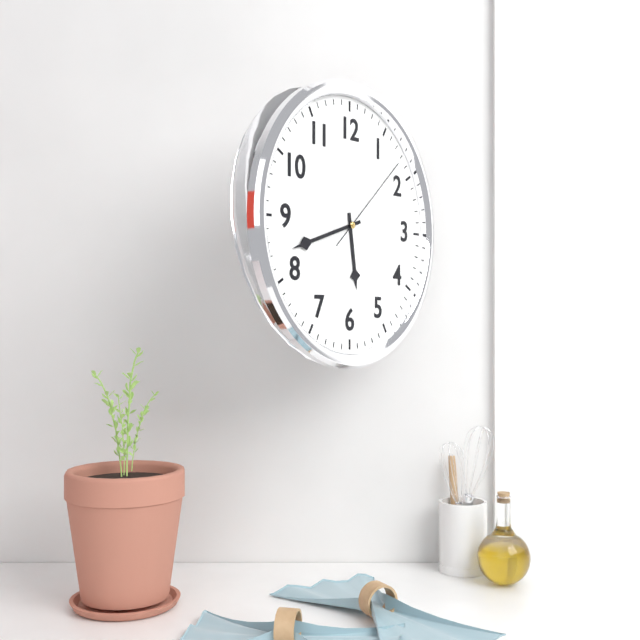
5:42:08
